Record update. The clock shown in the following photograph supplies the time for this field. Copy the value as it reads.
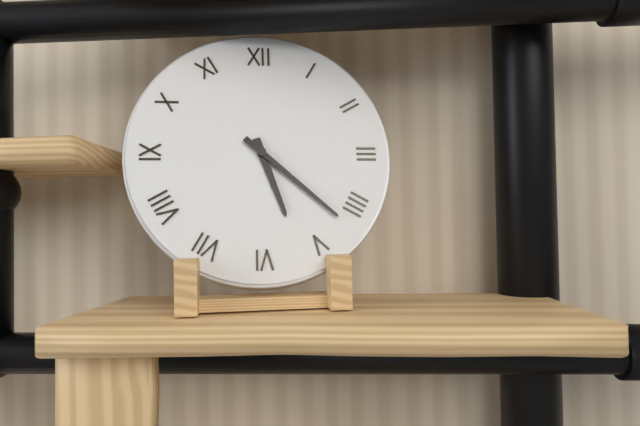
5:22
